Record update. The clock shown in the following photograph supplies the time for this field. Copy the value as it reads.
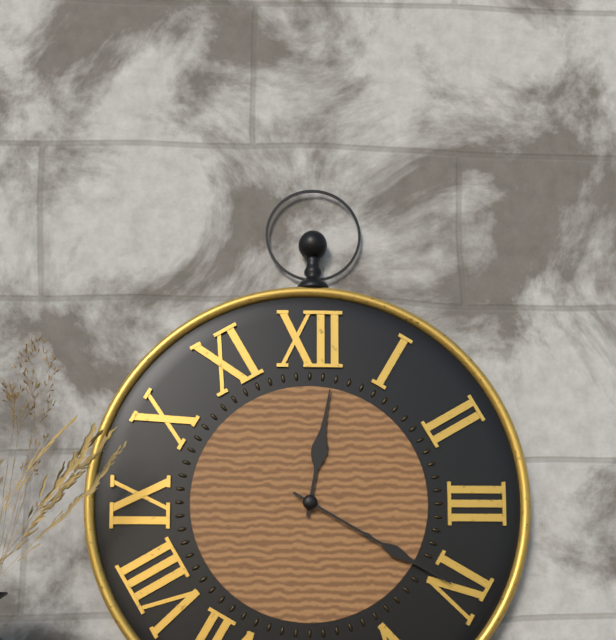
12:20
